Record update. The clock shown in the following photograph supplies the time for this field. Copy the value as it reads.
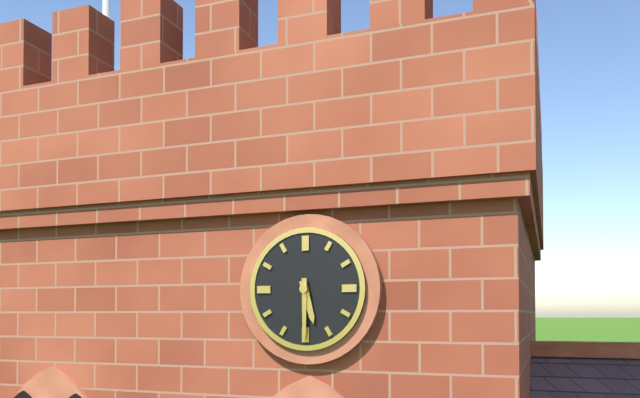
5:30
